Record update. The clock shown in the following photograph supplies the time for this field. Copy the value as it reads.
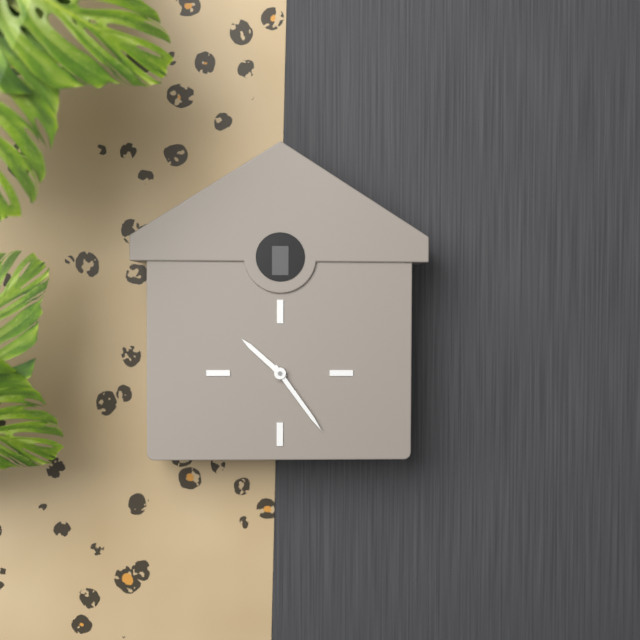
10:24
